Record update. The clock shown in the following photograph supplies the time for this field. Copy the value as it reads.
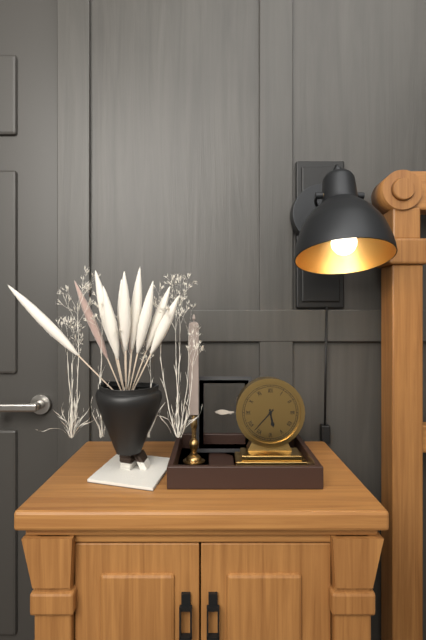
5:37
